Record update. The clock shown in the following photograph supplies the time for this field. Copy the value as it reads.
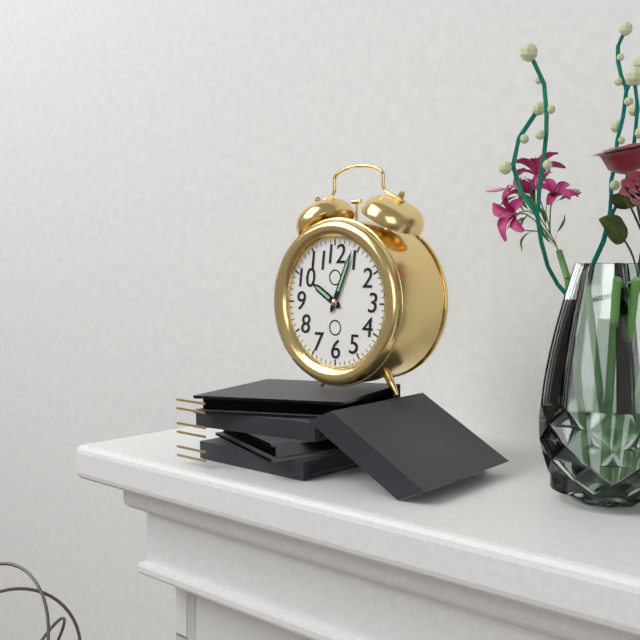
10:04
